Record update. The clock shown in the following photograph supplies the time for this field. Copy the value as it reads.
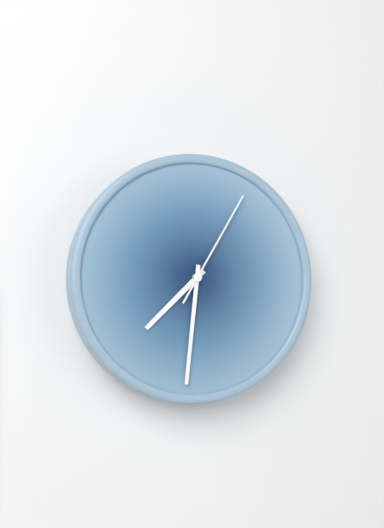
7:31:05
